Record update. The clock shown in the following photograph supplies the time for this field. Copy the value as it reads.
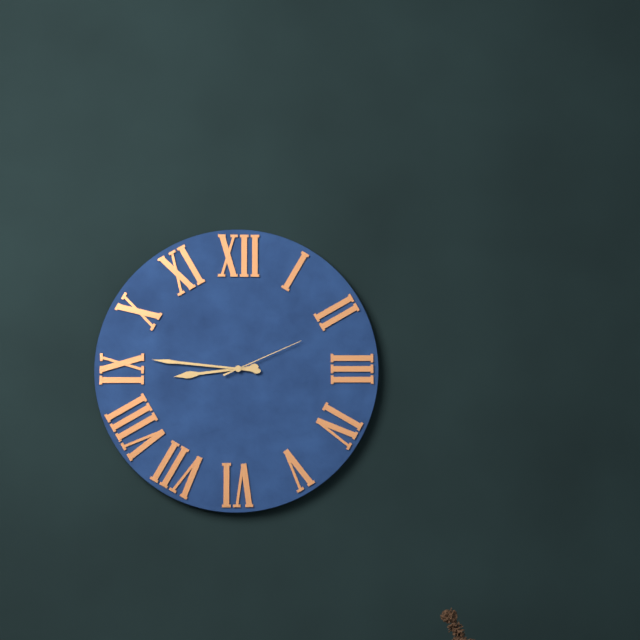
8:46:11
